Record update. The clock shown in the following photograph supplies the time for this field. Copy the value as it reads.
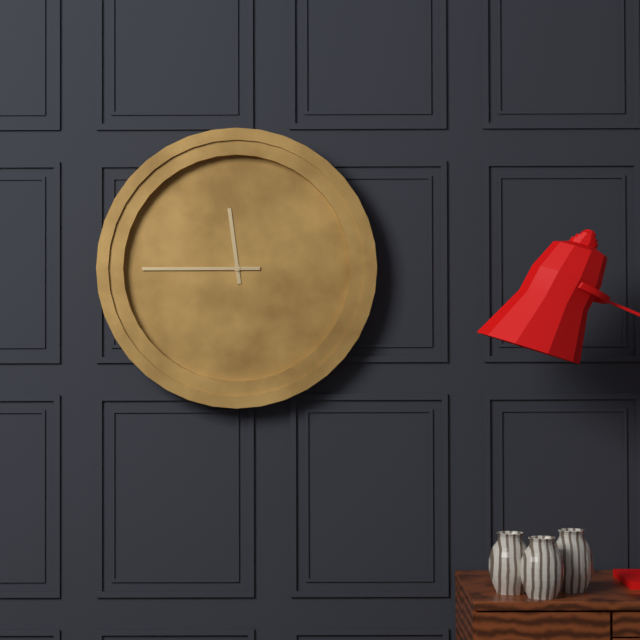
11:45
